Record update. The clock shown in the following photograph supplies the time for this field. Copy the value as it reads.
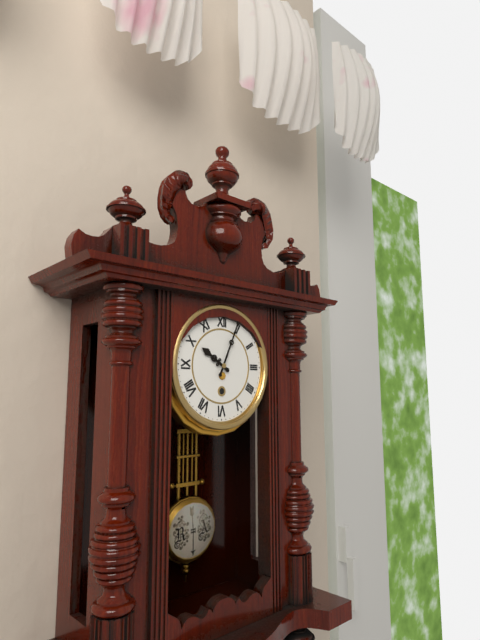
10:04
